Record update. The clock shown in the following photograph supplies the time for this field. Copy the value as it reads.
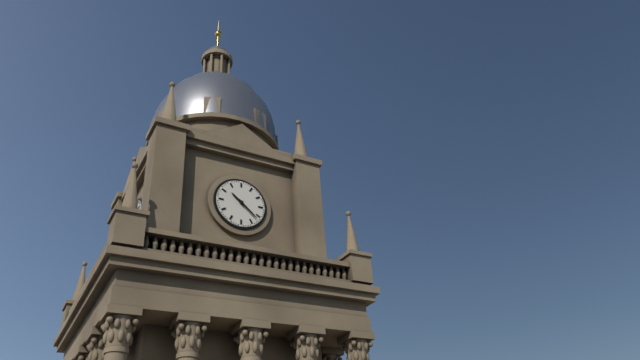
10:22
